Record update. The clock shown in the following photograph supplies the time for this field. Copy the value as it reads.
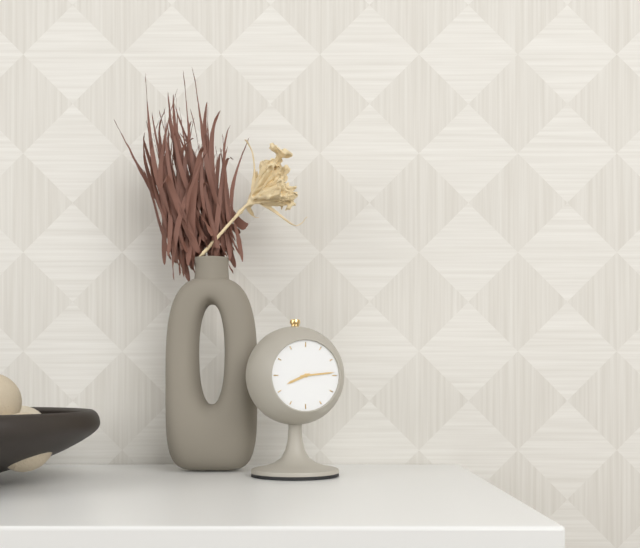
8:14
